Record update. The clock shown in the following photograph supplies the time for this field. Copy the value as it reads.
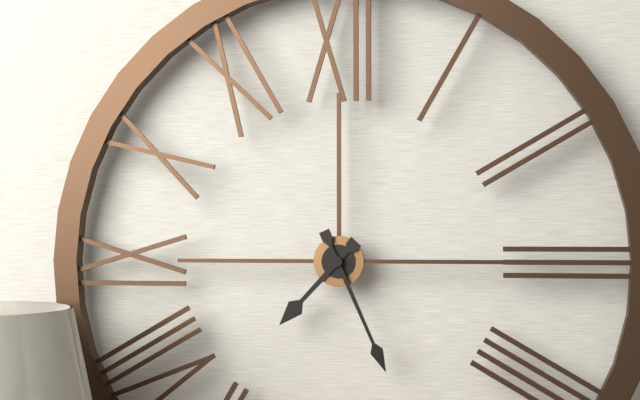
7:26
